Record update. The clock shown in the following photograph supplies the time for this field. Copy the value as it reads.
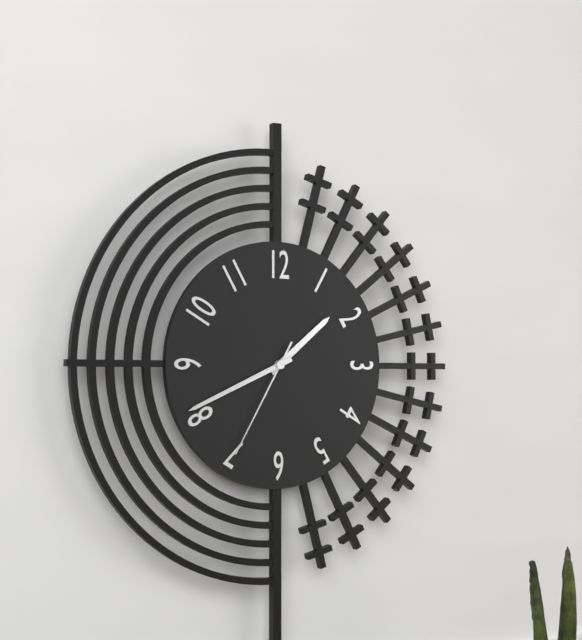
1:41:35
